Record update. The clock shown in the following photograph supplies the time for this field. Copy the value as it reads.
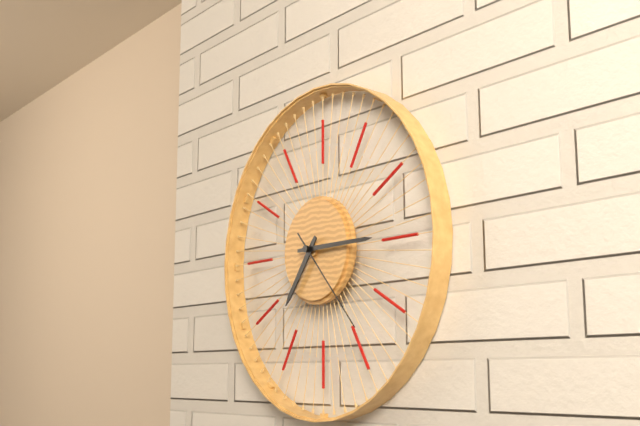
7:15:23
